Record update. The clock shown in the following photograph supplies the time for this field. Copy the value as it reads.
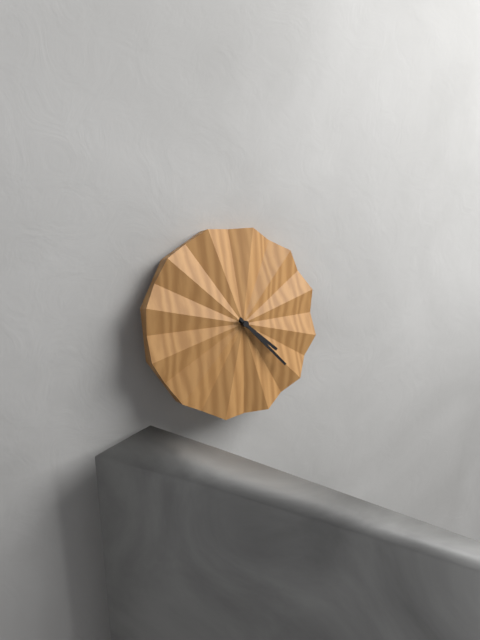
4:23
